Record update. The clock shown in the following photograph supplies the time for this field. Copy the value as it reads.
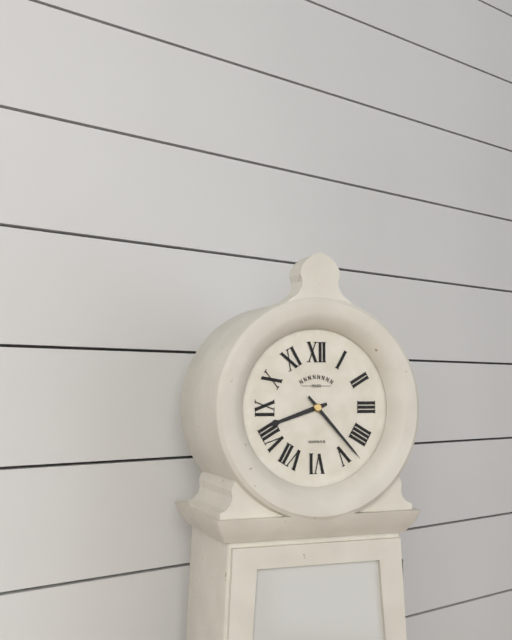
8:23
